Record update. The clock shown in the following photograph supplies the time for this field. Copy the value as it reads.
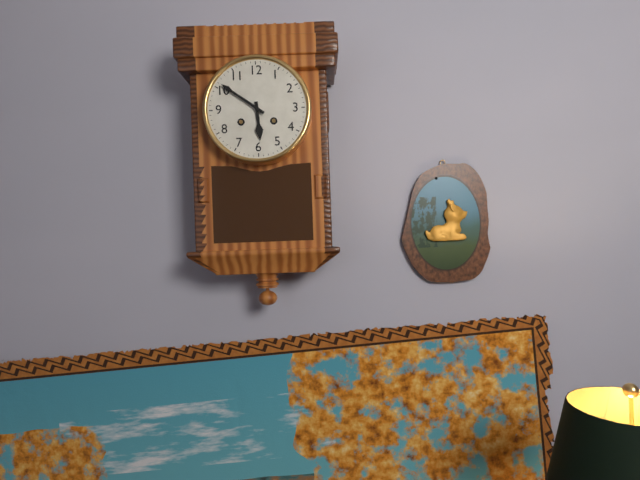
5:51
